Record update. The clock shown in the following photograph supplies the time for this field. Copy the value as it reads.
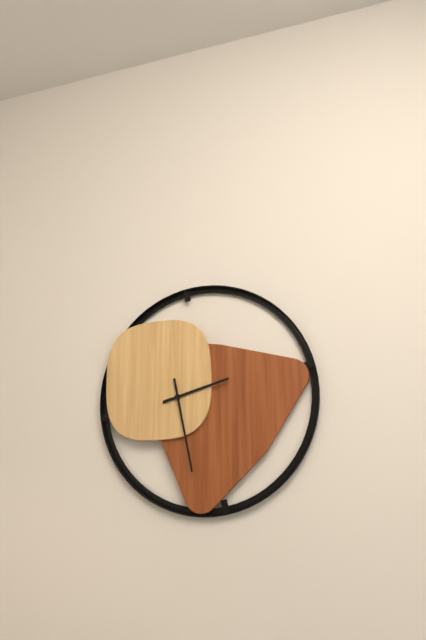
2:28
